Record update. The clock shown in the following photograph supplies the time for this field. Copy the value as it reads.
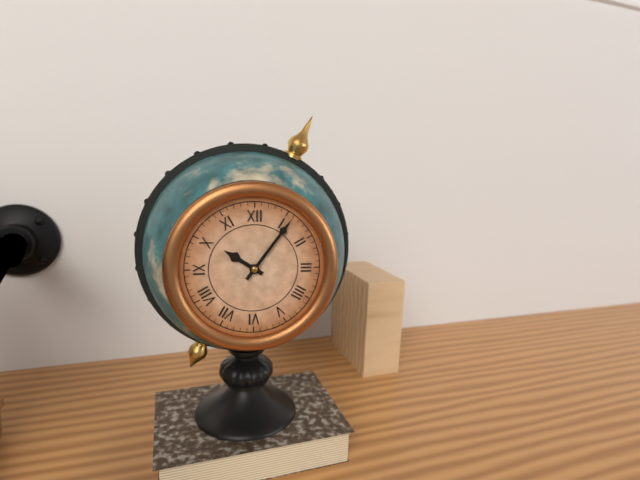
10:06
